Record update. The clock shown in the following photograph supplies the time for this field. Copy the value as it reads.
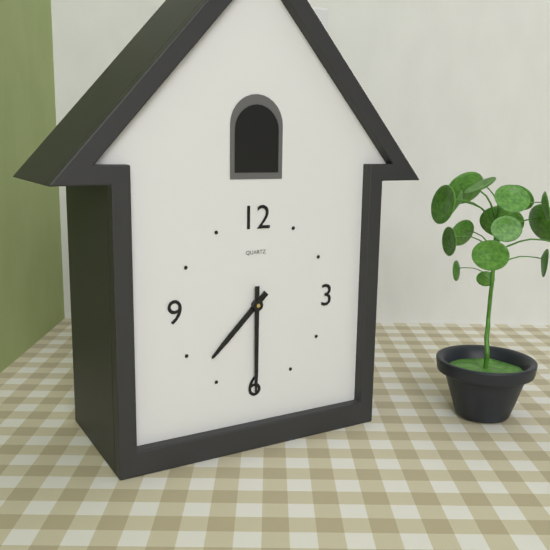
7:30
